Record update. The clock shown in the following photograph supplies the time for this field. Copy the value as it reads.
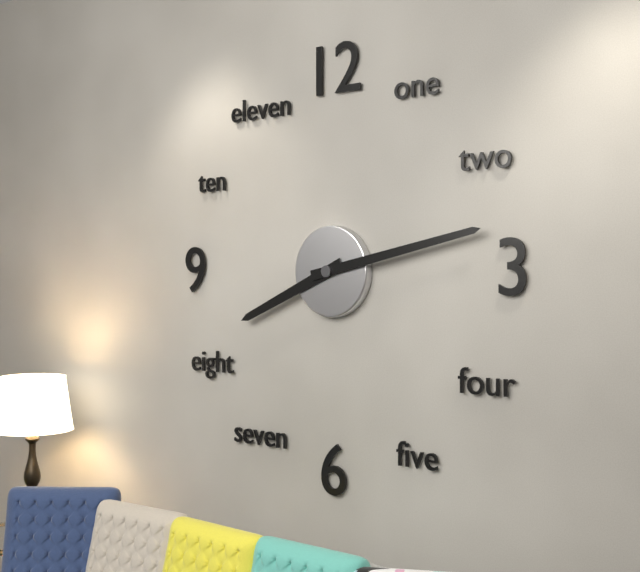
8:13
